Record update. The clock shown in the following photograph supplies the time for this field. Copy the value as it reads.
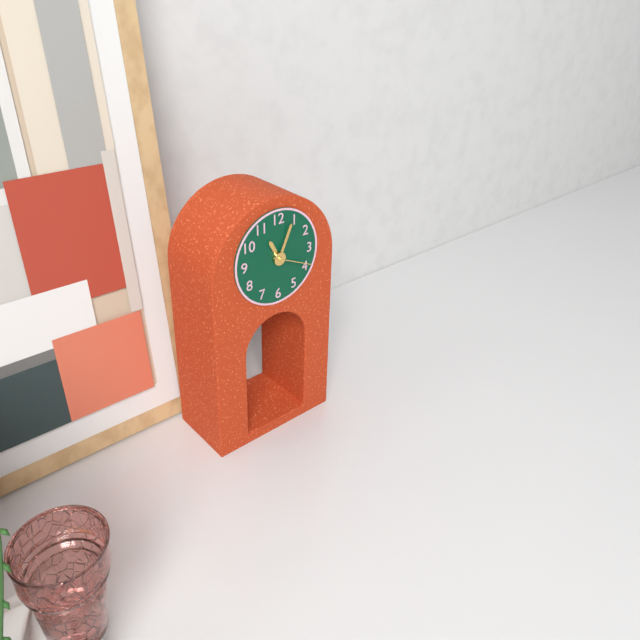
11:04
